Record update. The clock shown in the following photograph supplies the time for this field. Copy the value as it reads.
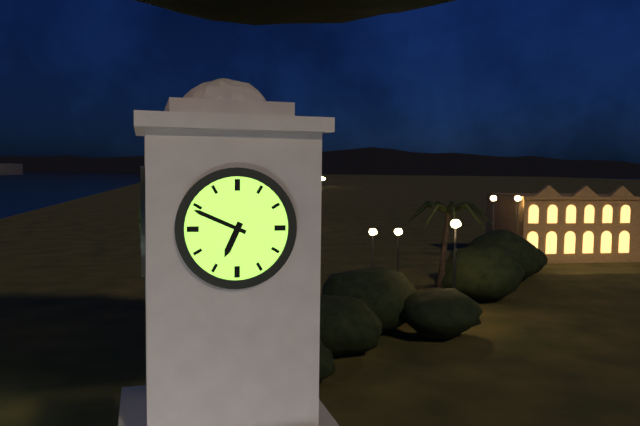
6:49
